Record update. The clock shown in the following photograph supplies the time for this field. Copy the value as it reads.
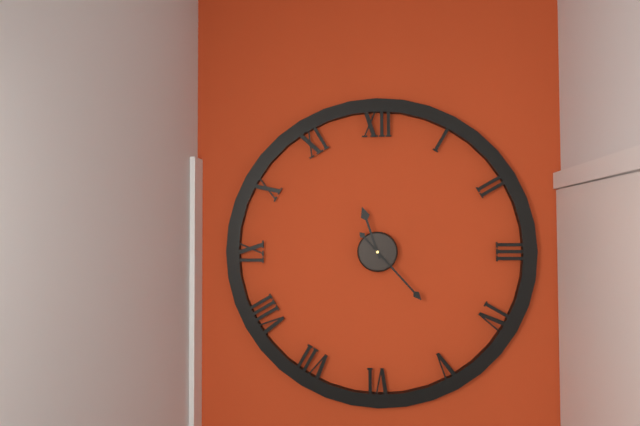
11:23
